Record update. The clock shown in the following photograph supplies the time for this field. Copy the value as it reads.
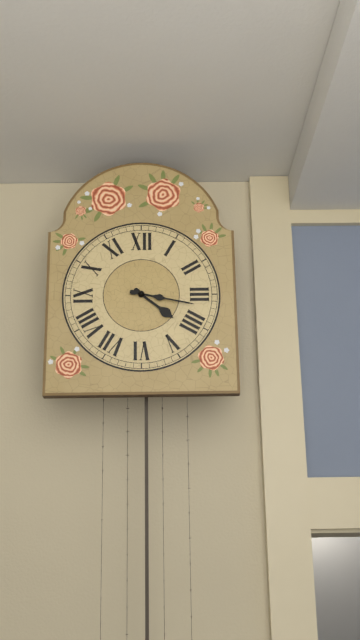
4:17
